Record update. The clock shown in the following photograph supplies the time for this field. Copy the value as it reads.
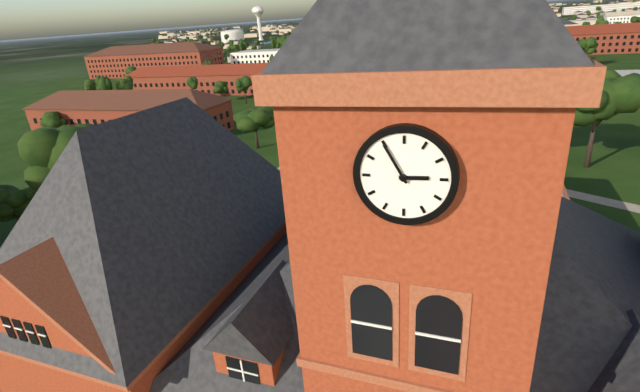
2:55
